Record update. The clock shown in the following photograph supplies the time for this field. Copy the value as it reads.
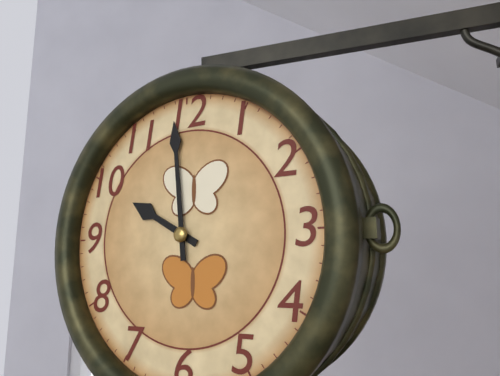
9:59
